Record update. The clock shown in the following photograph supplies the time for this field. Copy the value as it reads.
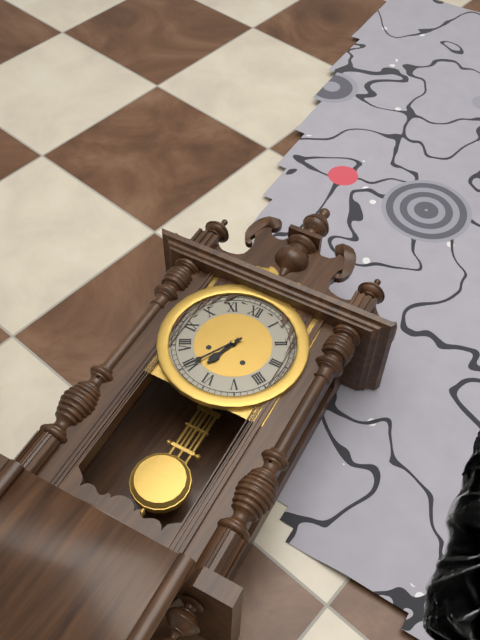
6:35
